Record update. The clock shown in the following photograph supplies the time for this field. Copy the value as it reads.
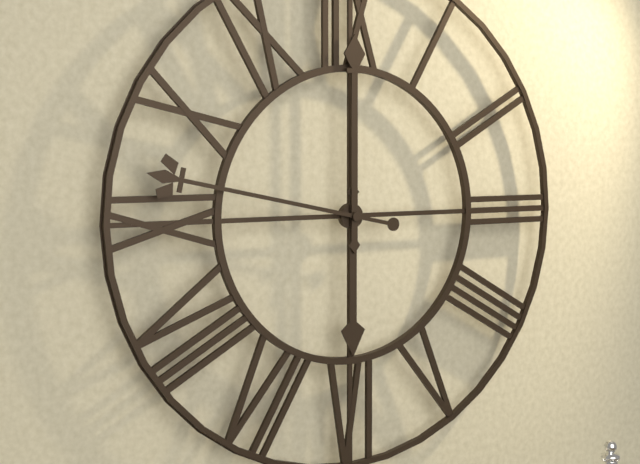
6:00:47
